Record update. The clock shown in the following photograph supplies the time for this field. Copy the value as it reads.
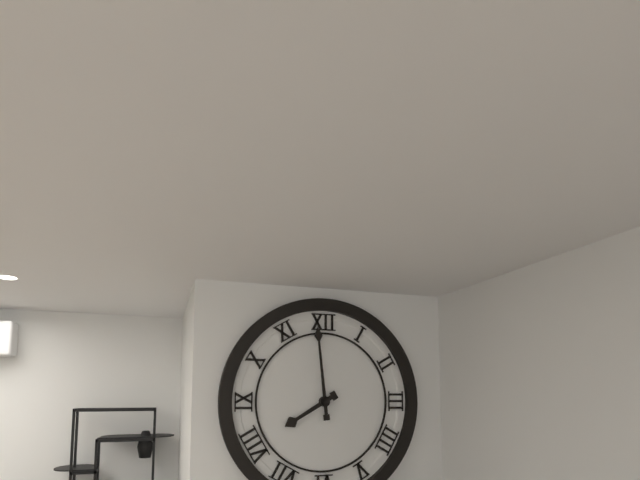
7:59
